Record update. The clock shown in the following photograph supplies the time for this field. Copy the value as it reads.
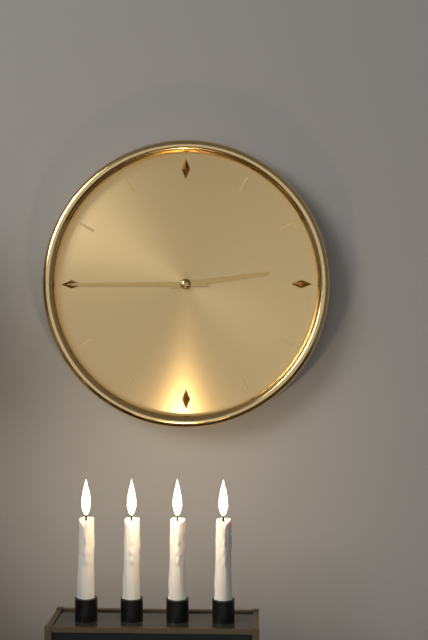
2:45
